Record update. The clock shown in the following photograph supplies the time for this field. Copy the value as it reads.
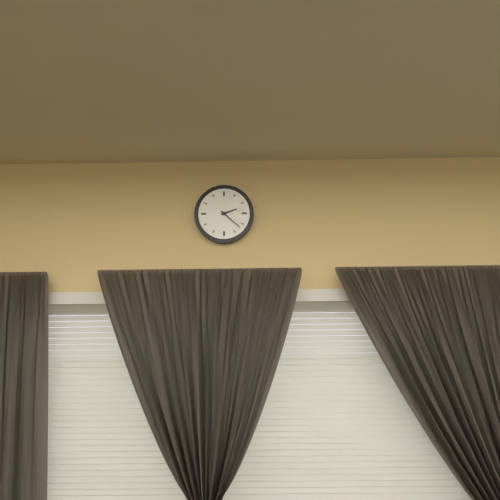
2:22
